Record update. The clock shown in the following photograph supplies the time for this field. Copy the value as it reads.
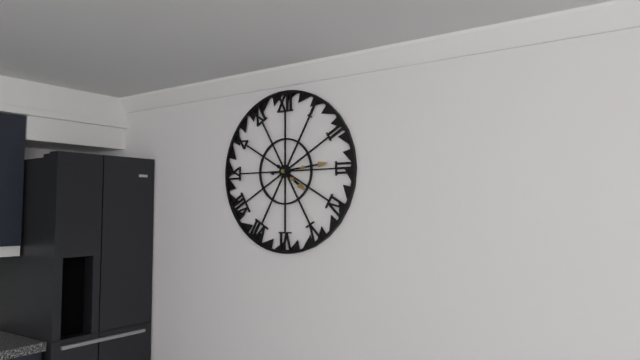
4:14
